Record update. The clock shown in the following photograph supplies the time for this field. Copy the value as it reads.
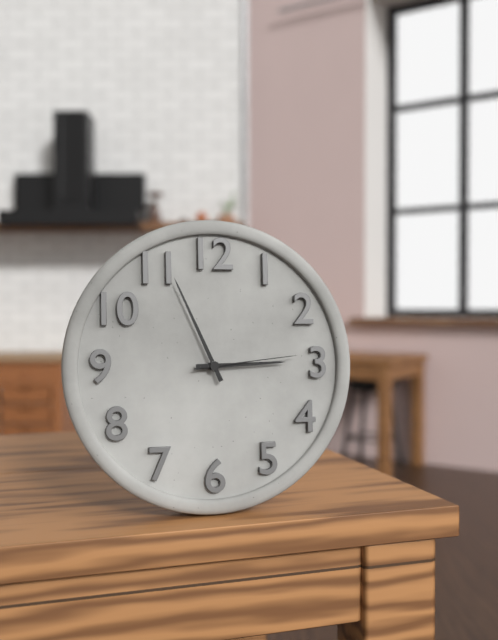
2:56:14
